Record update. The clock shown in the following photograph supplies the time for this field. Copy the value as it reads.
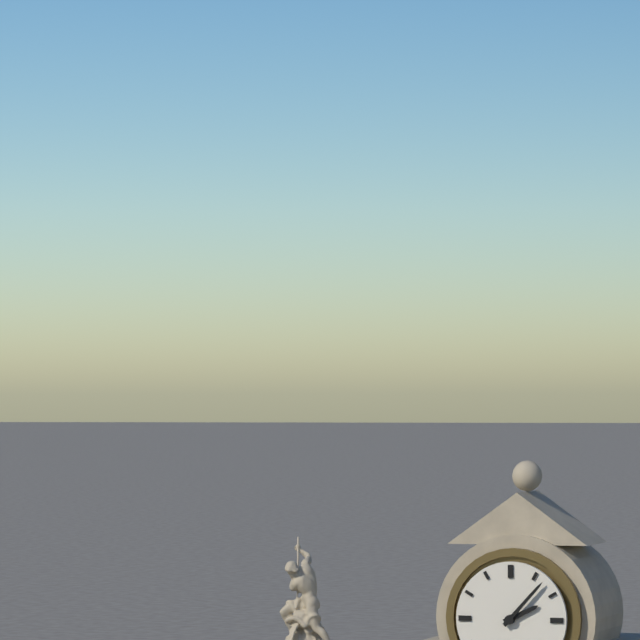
2:07
